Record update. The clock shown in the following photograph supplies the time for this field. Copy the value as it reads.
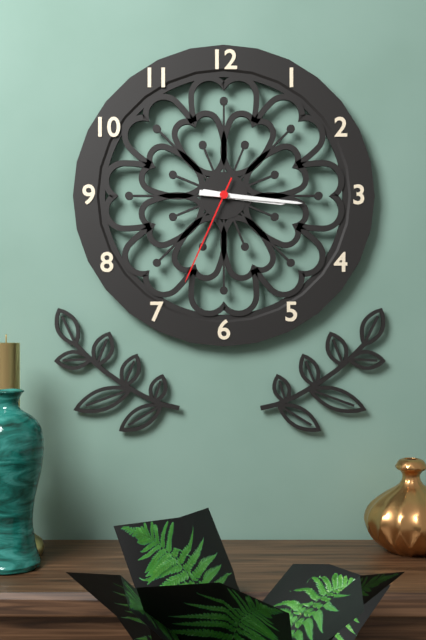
3:16:34
